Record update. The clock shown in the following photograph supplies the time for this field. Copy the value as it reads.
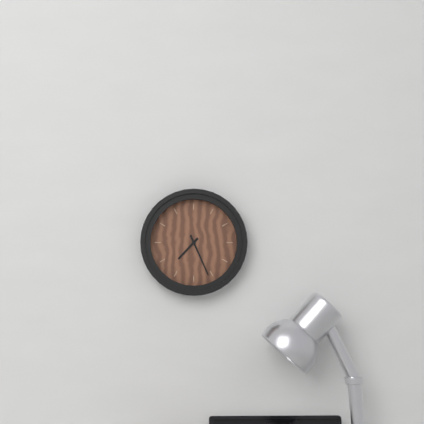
7:26
